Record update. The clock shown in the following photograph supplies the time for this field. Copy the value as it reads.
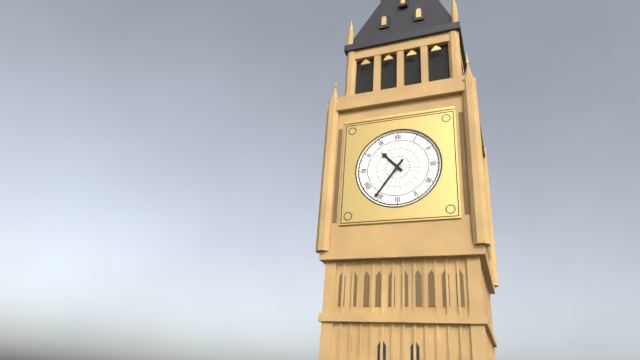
10:36
